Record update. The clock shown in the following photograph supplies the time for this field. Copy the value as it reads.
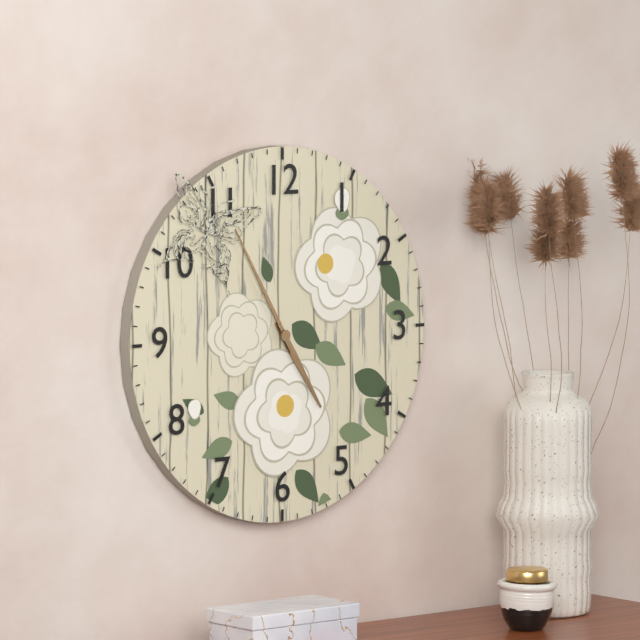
4:55
